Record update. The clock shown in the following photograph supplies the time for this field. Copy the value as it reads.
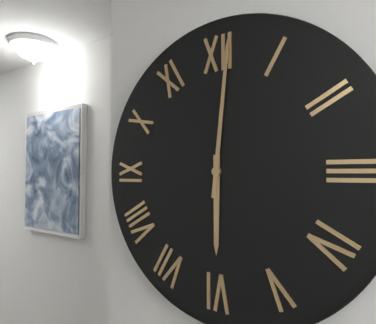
6:01
